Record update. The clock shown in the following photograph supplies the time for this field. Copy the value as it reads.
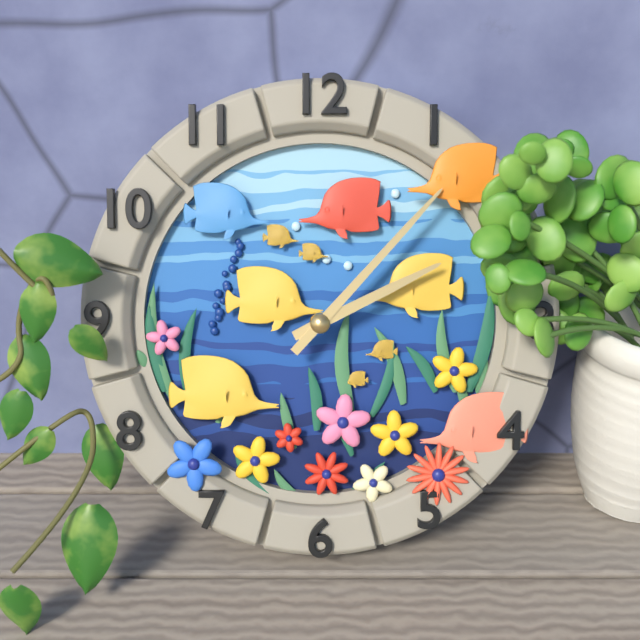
2:07
